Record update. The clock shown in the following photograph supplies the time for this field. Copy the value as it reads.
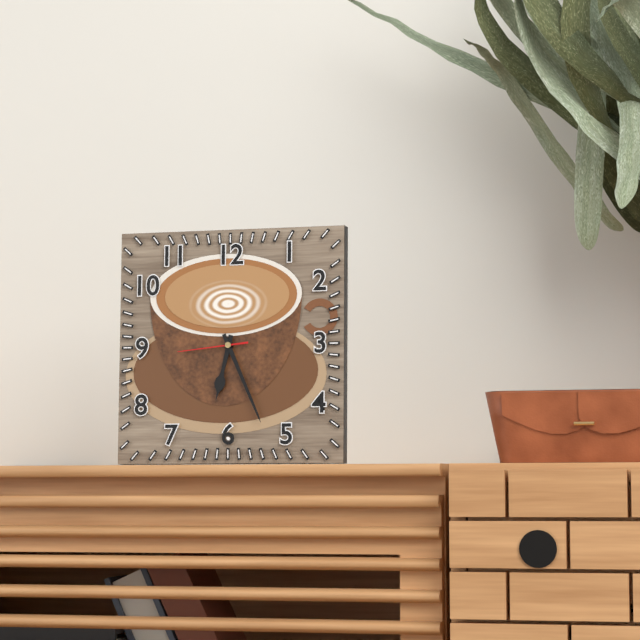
6:26:44
